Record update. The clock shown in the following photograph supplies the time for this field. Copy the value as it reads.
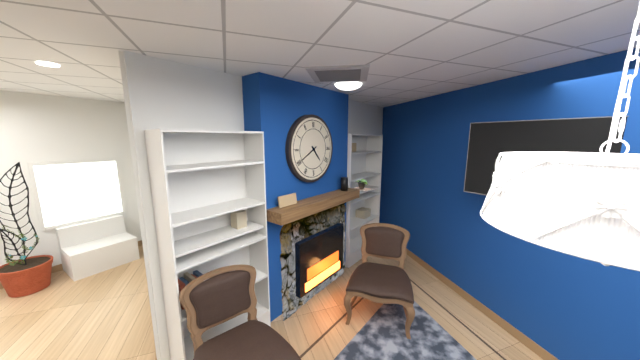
4:40
